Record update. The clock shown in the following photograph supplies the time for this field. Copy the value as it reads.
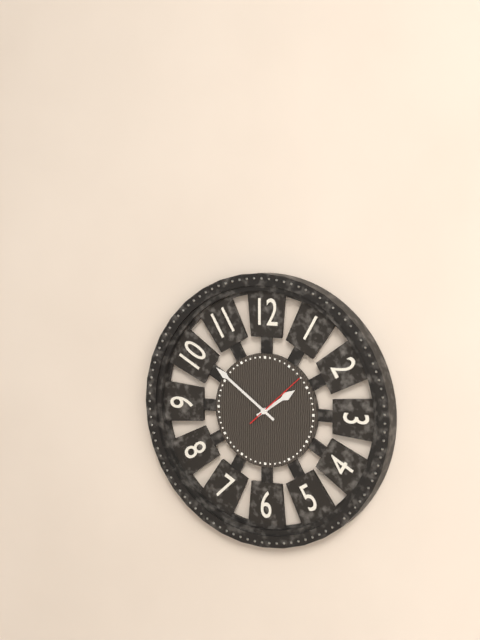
1:51:08
